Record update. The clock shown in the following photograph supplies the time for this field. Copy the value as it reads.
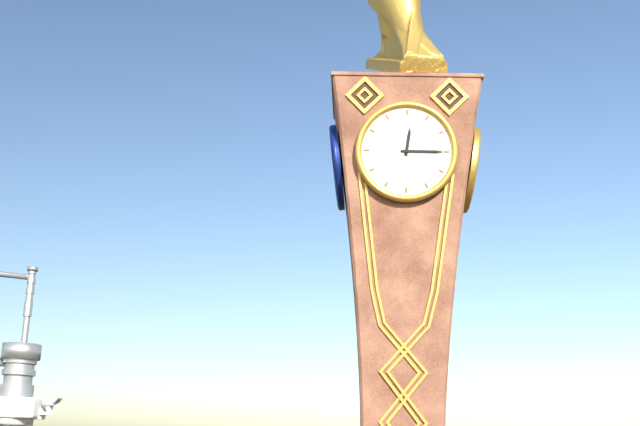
12:15
